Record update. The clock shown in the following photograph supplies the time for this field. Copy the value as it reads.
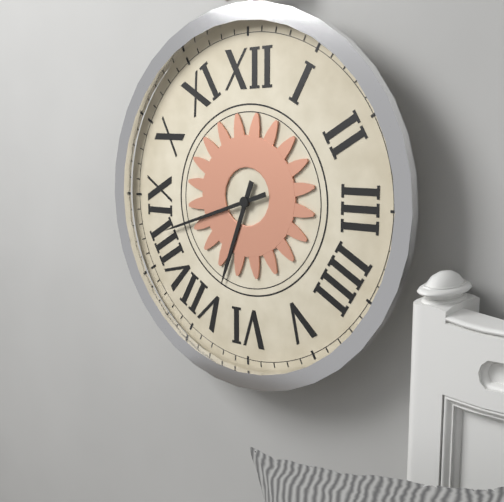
6:42
